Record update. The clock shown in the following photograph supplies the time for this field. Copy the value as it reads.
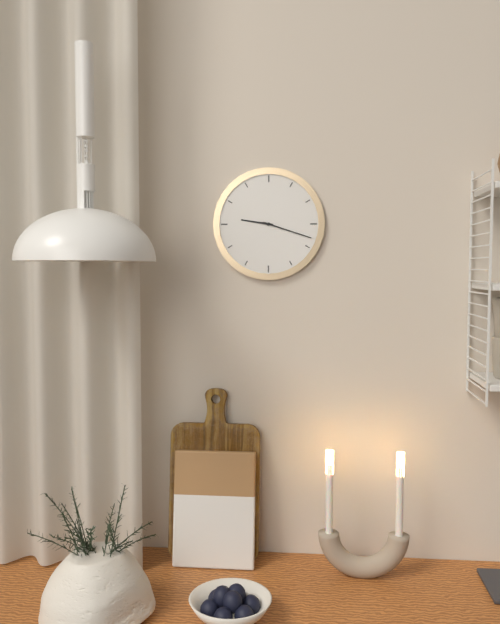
9:18
